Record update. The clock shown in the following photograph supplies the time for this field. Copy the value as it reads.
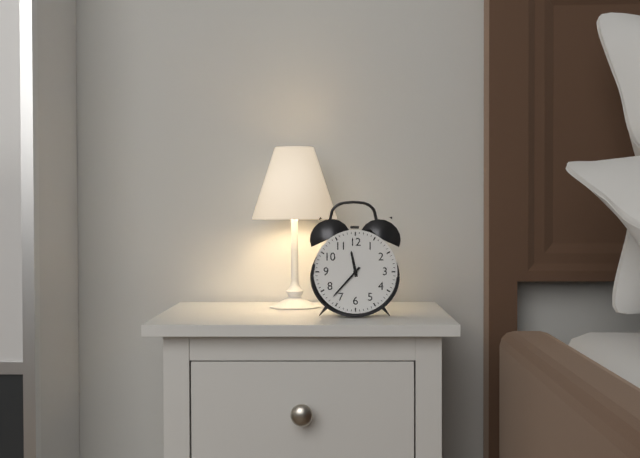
11:37
